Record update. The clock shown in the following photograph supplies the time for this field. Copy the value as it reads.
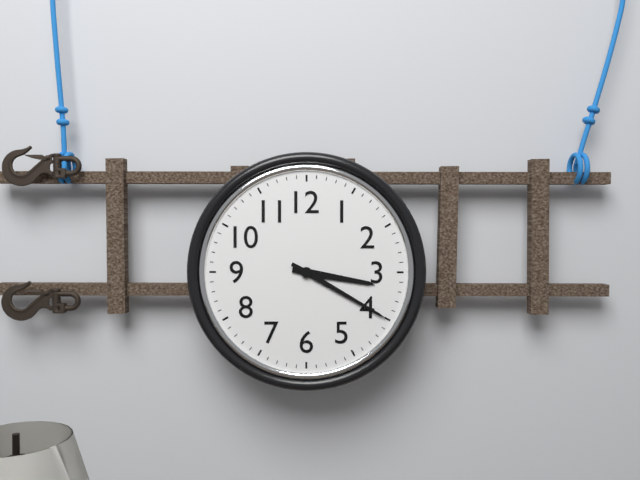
3:20
